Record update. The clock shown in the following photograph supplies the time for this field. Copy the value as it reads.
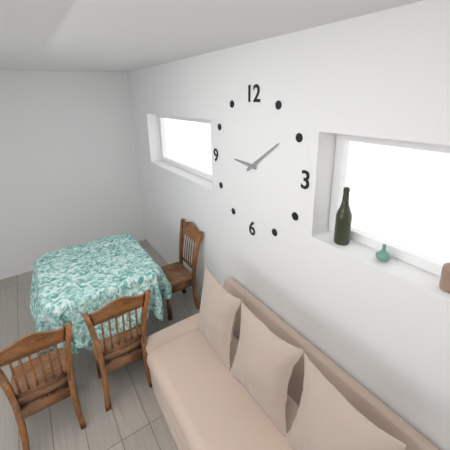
9:09
